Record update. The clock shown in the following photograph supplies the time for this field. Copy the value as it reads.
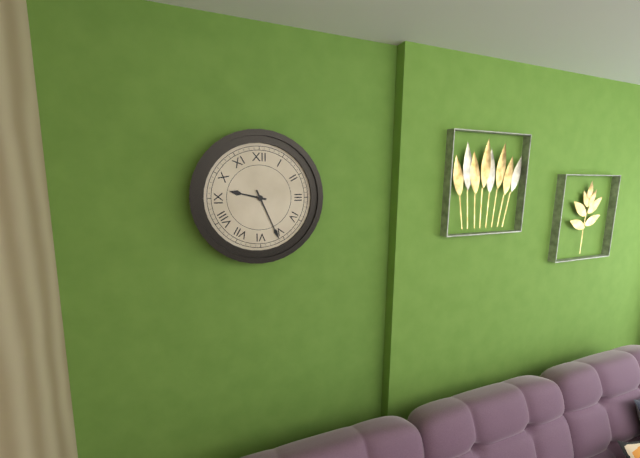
9:26
